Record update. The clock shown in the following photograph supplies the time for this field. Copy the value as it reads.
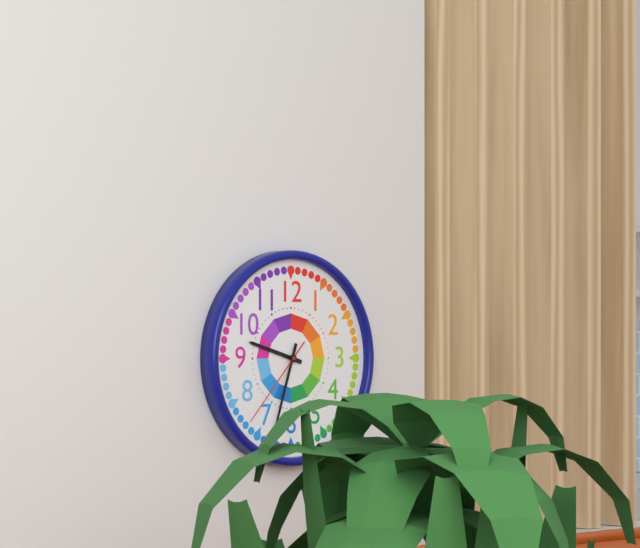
9:33:37
